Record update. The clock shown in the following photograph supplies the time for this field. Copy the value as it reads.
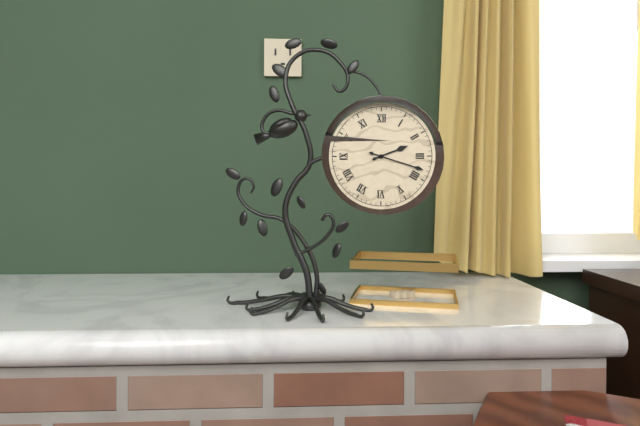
2:18
